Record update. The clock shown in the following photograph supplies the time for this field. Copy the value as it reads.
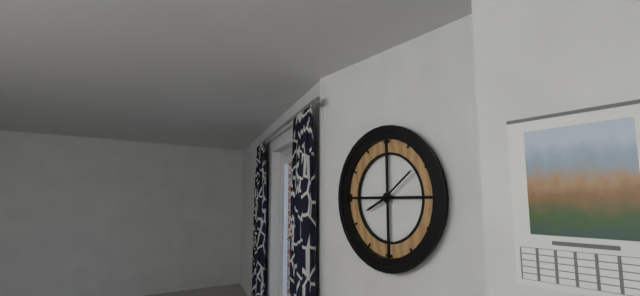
8:09
